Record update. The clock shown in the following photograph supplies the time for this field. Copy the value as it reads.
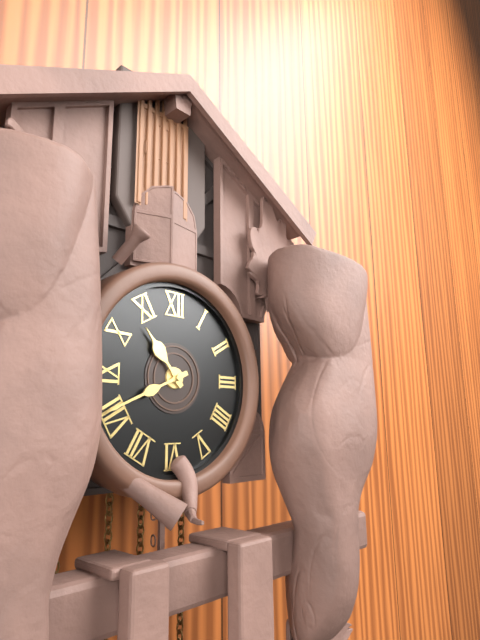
10:41
